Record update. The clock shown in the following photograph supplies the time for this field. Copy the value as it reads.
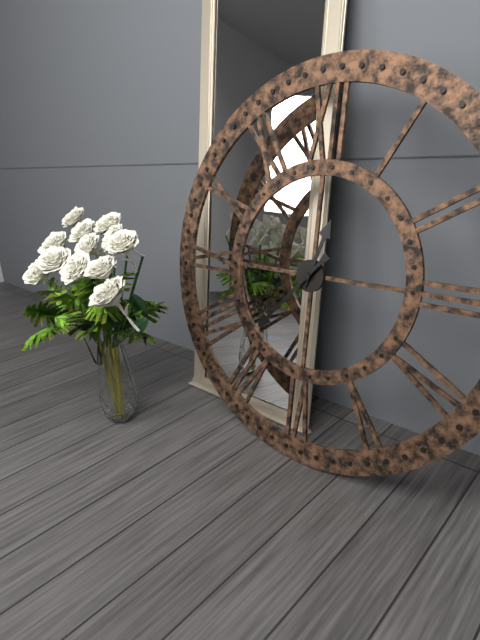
12:37
